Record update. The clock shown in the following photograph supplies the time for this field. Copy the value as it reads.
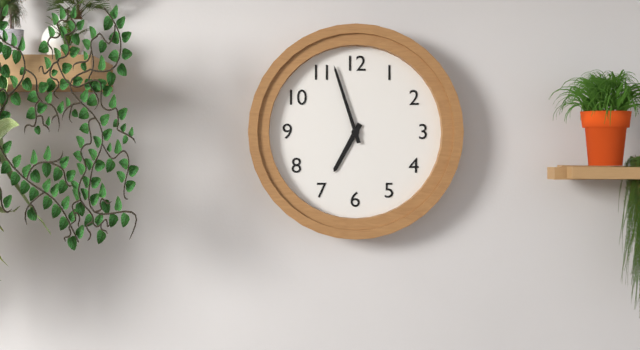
6:57
